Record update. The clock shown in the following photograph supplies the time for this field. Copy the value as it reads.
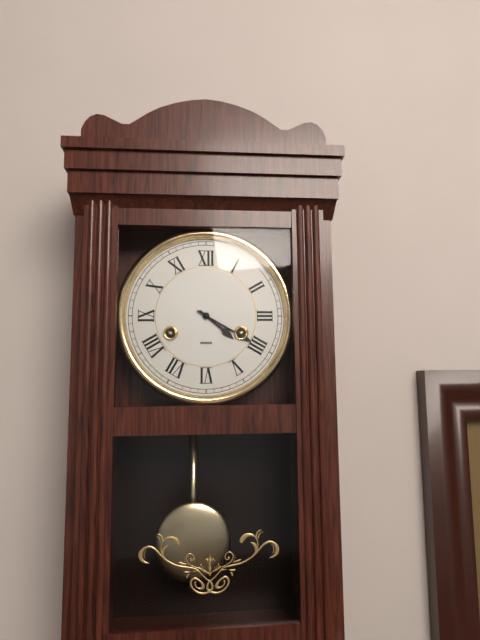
4:20
